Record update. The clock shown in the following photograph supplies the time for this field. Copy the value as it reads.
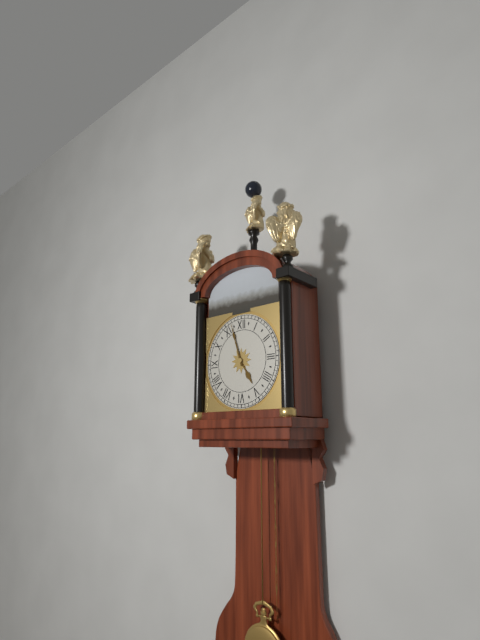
4:57
